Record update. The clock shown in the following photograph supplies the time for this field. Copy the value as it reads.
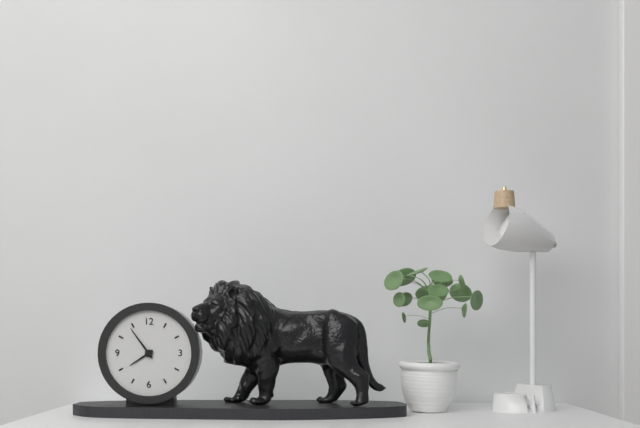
7:54
